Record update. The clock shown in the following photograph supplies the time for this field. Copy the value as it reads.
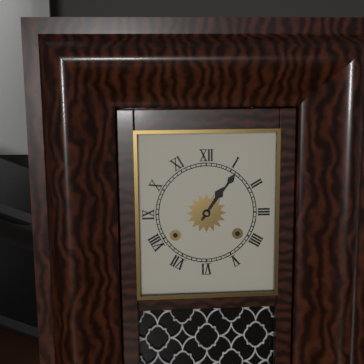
1:06
